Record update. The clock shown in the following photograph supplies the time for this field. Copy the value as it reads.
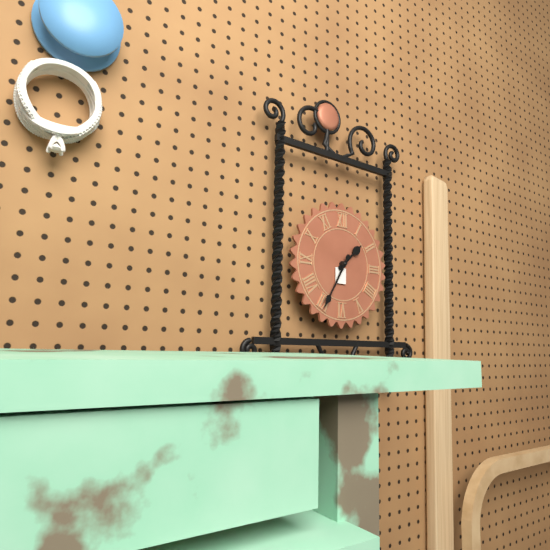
1:35
